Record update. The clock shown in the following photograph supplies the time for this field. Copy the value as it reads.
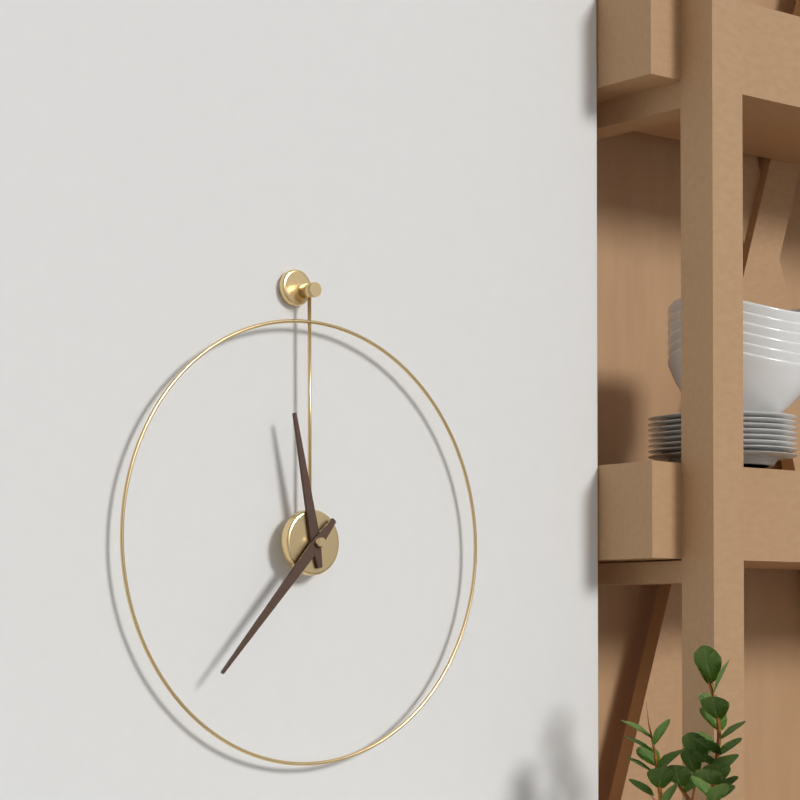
11:37
